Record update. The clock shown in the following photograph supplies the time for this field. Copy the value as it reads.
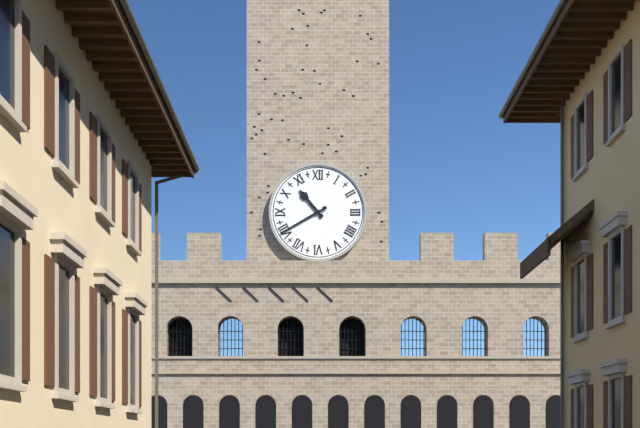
10:40
